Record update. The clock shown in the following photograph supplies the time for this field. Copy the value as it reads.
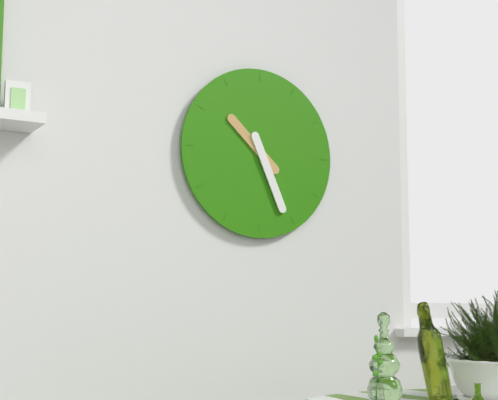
10:26
